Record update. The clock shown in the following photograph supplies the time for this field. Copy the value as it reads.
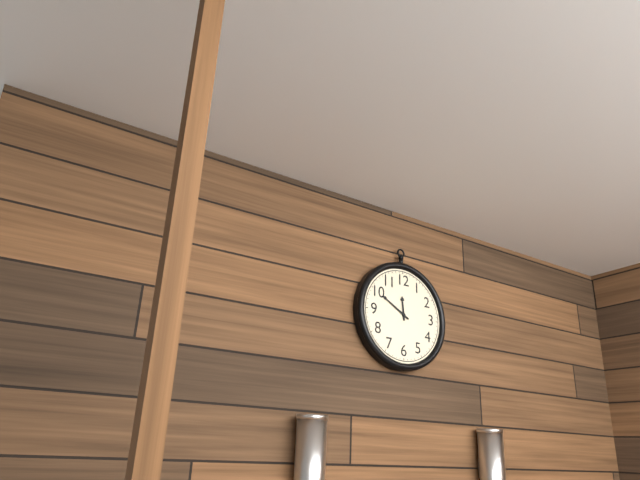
11:50
